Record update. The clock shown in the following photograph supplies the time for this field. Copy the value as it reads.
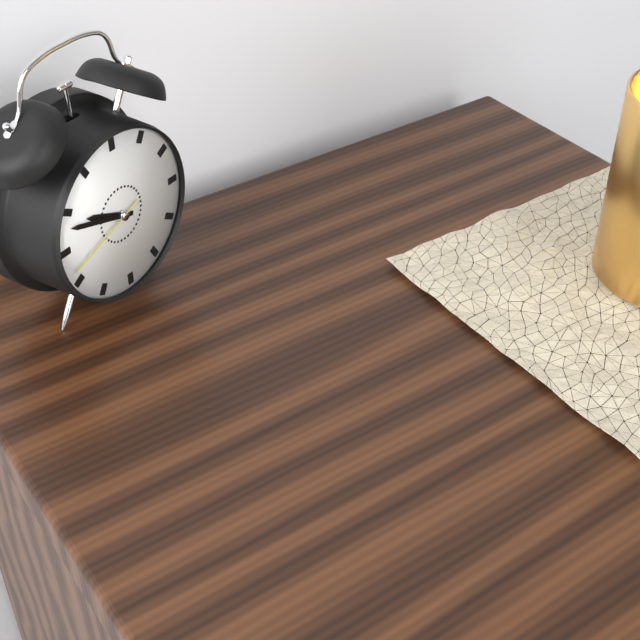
9:48:42
